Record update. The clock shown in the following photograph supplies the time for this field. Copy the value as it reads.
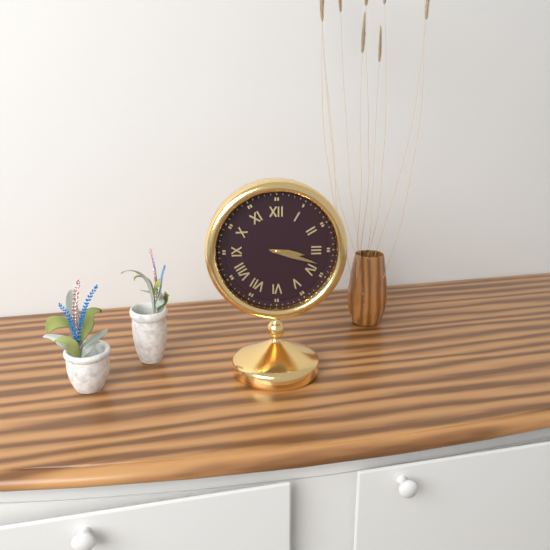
3:18
